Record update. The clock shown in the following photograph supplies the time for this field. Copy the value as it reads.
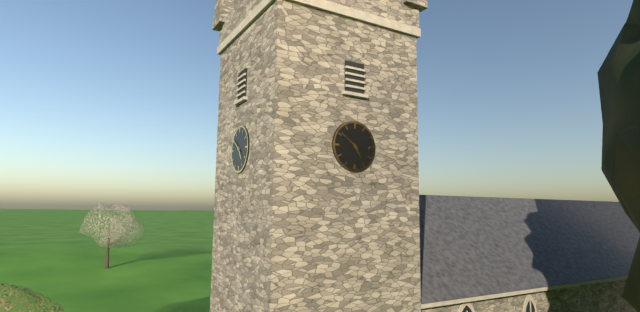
4:51
